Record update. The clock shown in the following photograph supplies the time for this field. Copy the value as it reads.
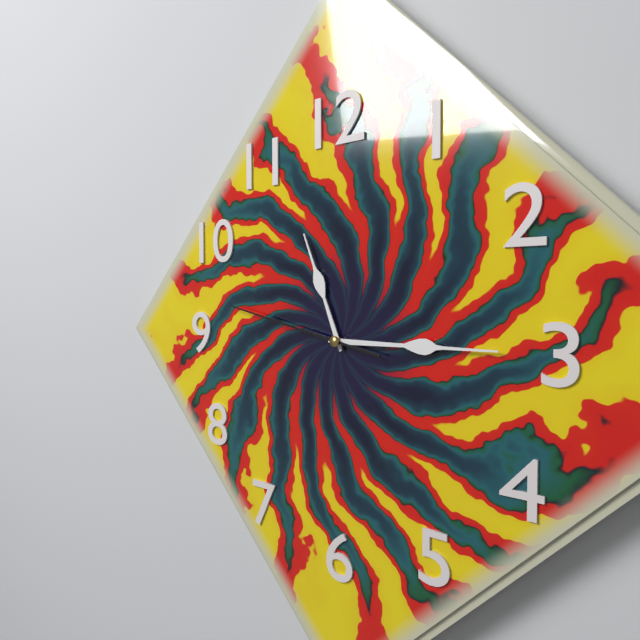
11:15:47
